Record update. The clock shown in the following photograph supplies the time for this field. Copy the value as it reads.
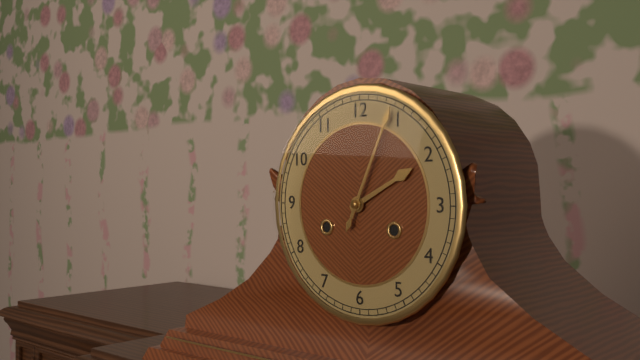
2:04
